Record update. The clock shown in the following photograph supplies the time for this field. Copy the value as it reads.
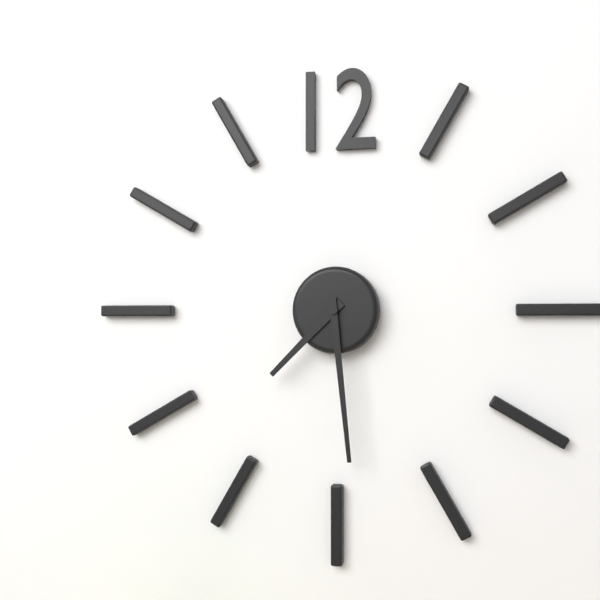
7:29
